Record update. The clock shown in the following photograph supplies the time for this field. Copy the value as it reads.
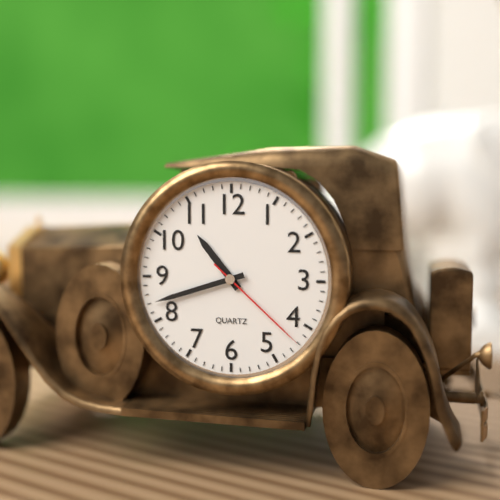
10:42:22
